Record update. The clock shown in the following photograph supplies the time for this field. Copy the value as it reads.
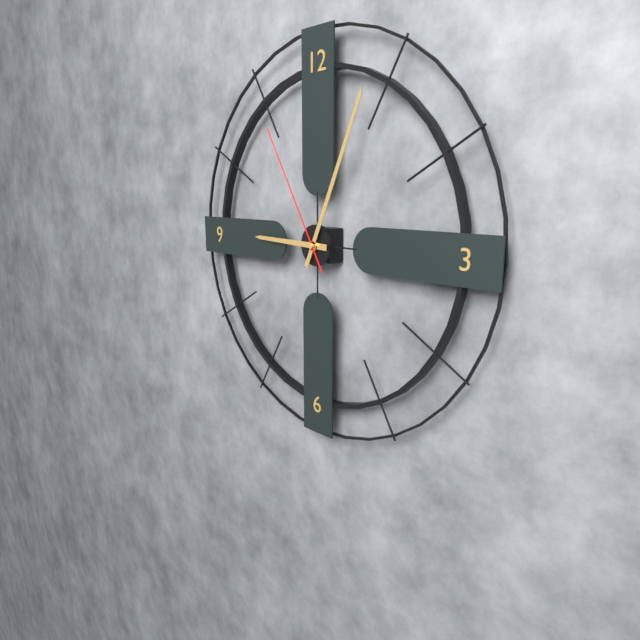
9:04:55
